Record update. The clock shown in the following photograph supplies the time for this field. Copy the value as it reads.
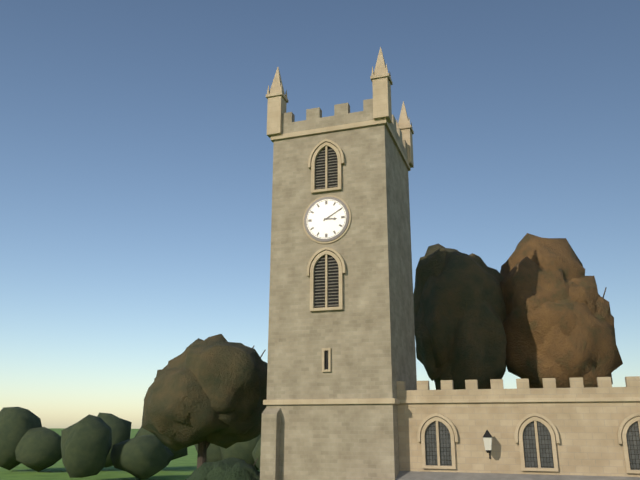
3:10
